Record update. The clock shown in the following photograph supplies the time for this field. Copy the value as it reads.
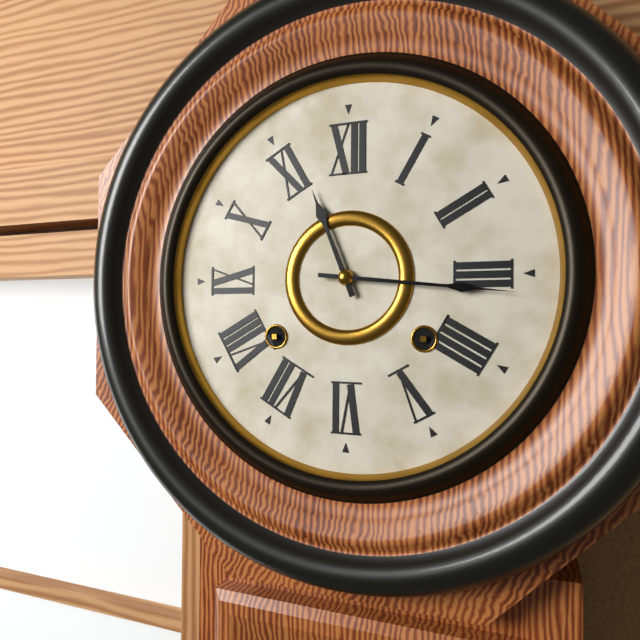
11:16
